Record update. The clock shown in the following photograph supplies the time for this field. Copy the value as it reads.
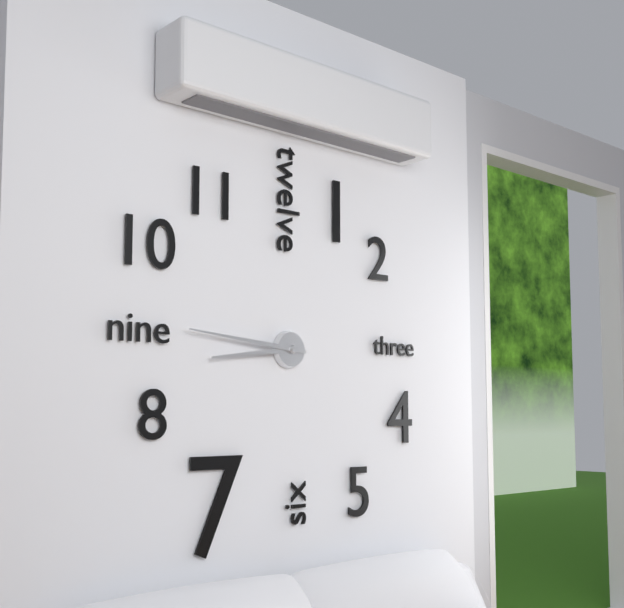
8:46
